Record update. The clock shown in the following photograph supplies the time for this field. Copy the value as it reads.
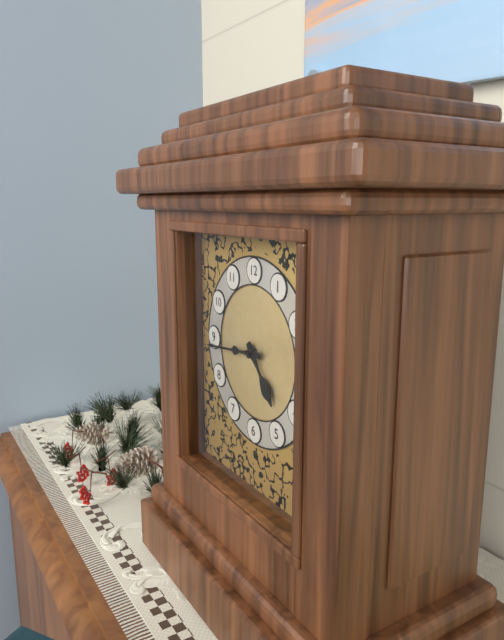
4:44
